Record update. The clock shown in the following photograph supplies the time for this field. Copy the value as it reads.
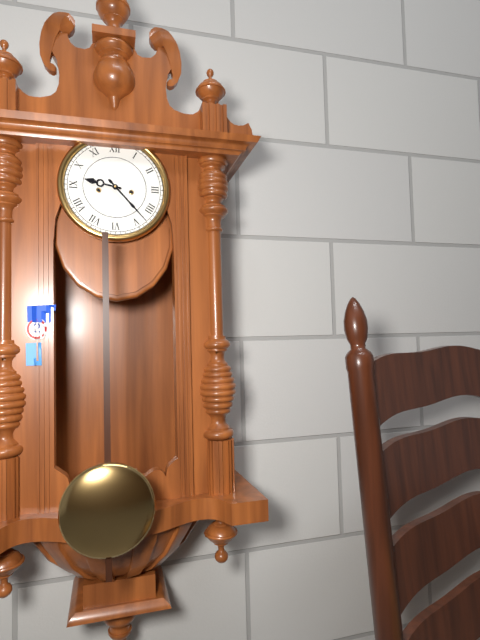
9:23
